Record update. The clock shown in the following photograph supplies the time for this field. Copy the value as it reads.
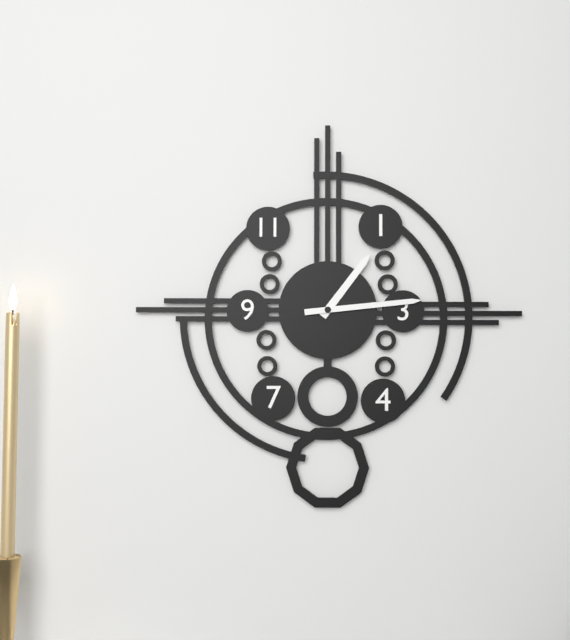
1:14
